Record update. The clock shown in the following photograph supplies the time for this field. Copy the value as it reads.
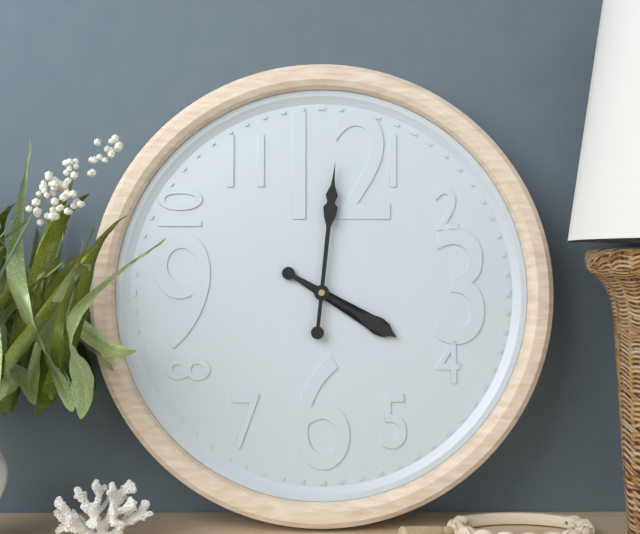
4:01
